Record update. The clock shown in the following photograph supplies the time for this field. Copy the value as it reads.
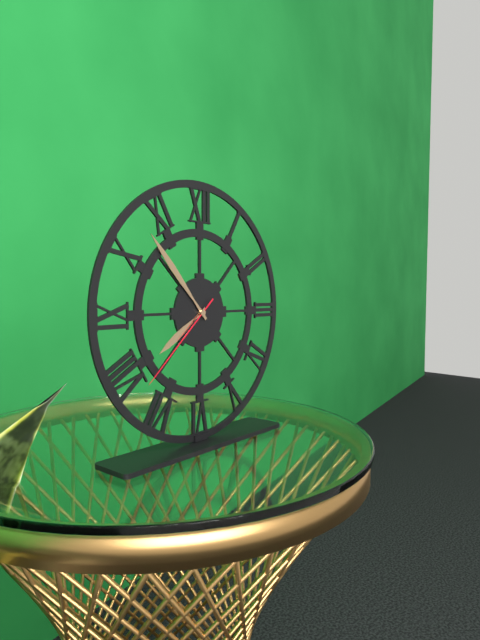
7:53:38
